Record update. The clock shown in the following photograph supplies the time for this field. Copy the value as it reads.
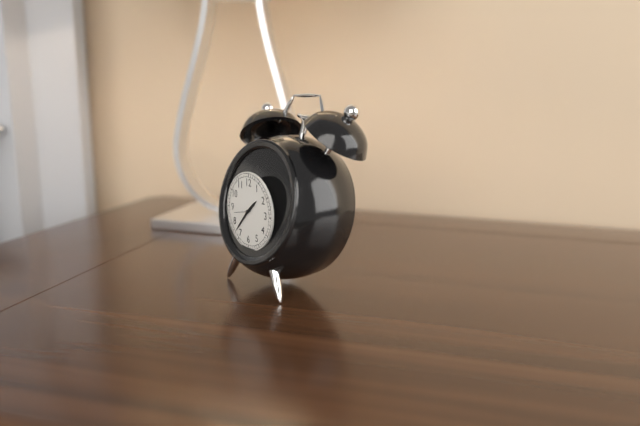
1:37
